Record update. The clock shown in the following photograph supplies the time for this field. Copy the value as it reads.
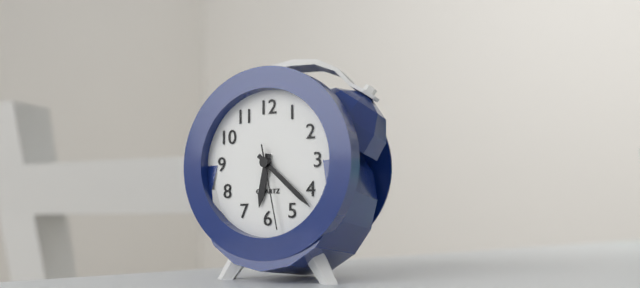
6:22:28
